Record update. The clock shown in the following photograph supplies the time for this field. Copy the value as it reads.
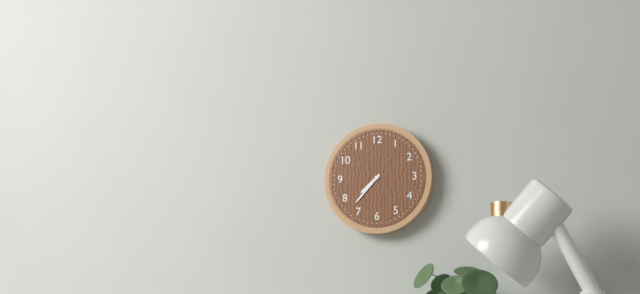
7:37
